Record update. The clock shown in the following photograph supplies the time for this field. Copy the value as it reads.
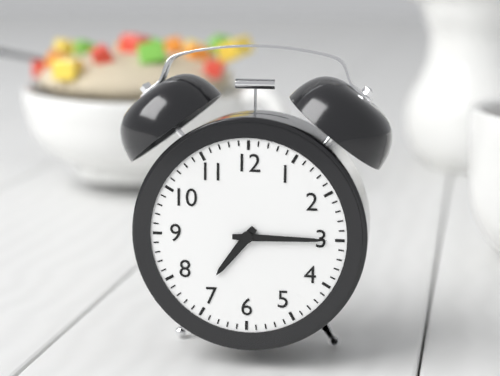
7:15
